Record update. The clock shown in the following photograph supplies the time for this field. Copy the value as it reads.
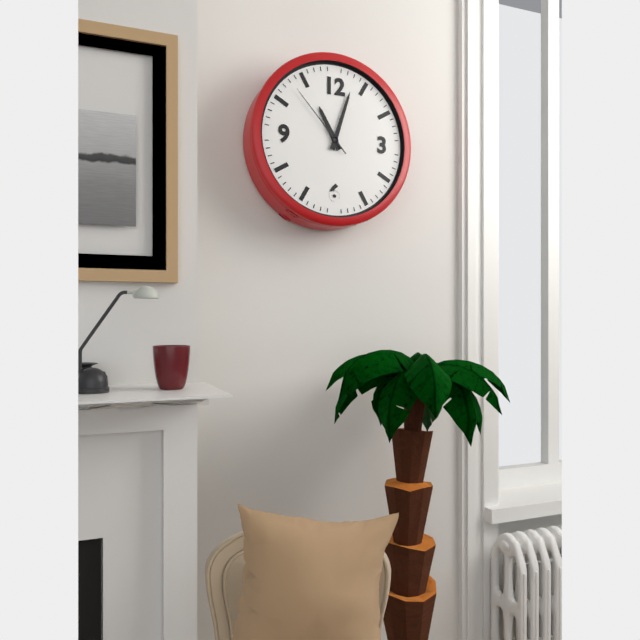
11:03:53
